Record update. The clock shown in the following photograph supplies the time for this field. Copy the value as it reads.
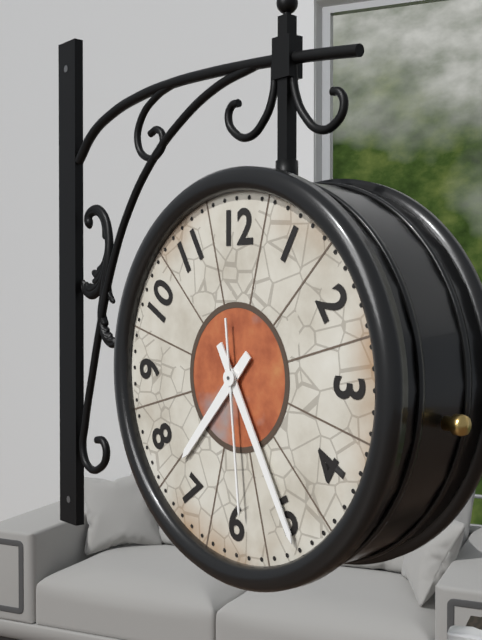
7:25:29
